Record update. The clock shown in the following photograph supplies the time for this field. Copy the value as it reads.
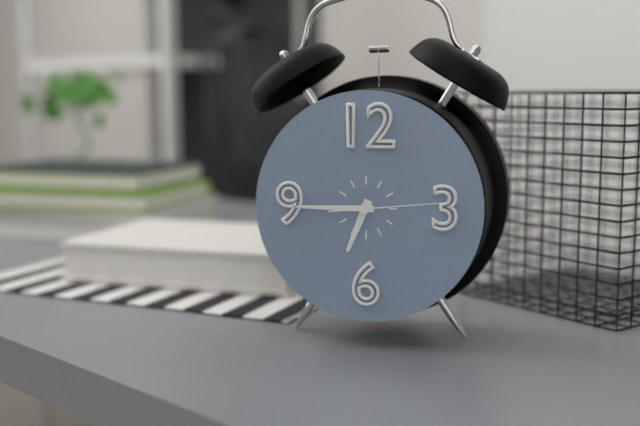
6:45:14
